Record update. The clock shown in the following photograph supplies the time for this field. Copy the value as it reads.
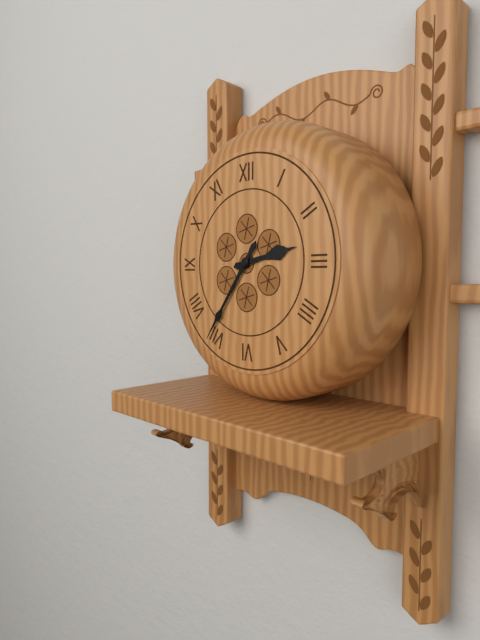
2:36
